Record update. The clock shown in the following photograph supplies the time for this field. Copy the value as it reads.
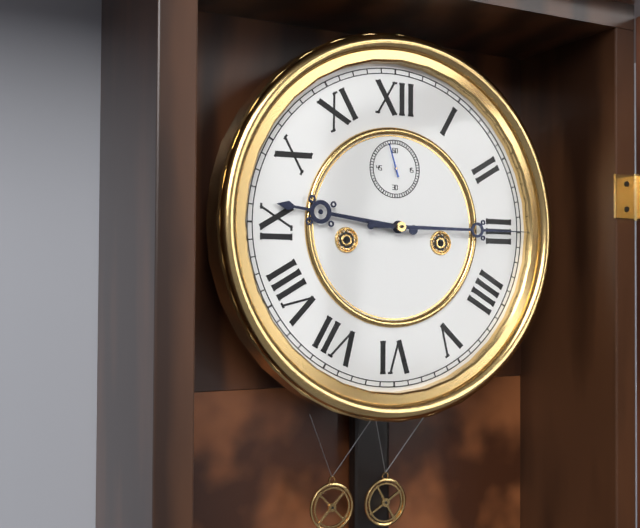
9:15
